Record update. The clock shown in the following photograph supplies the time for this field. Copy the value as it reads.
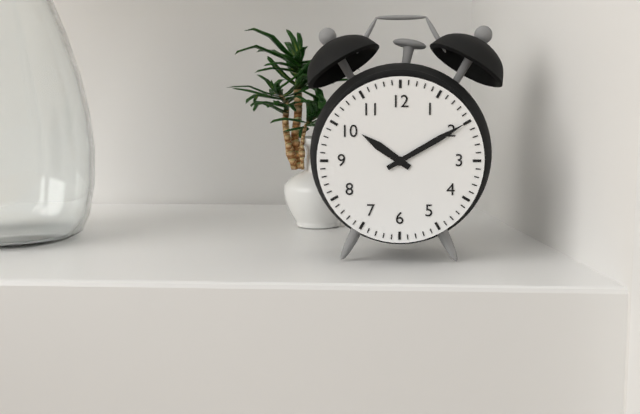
10:10
